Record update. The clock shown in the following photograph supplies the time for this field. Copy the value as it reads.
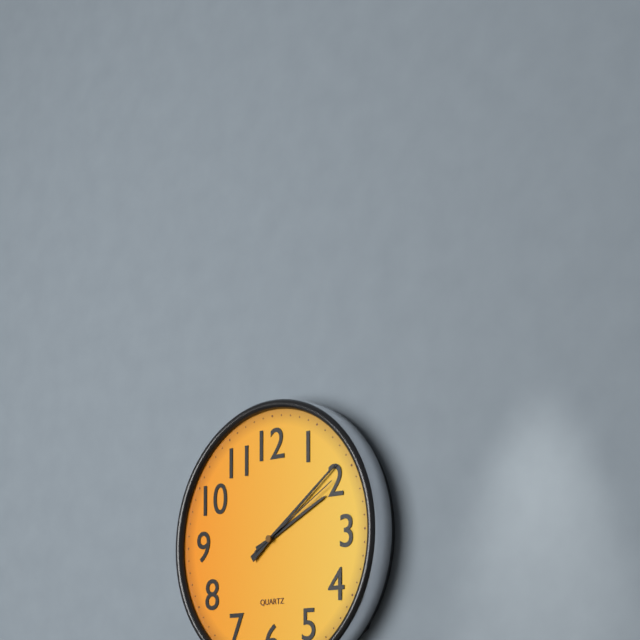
2:09:10
